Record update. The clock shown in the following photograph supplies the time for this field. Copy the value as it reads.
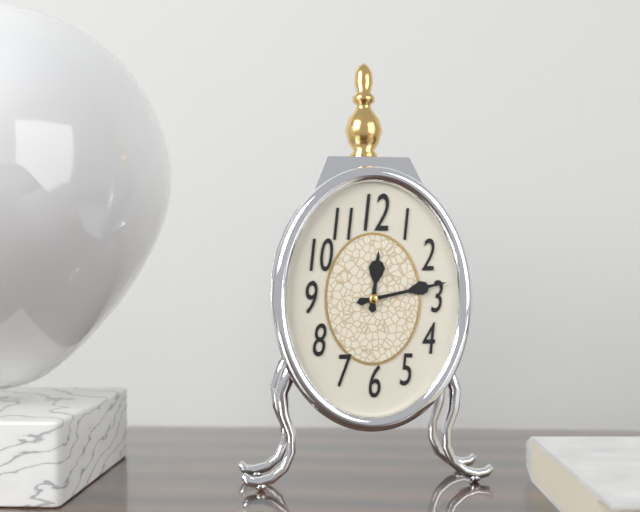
12:13
